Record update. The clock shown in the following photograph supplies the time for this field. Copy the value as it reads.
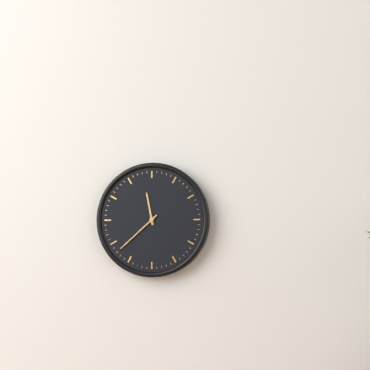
11:38
